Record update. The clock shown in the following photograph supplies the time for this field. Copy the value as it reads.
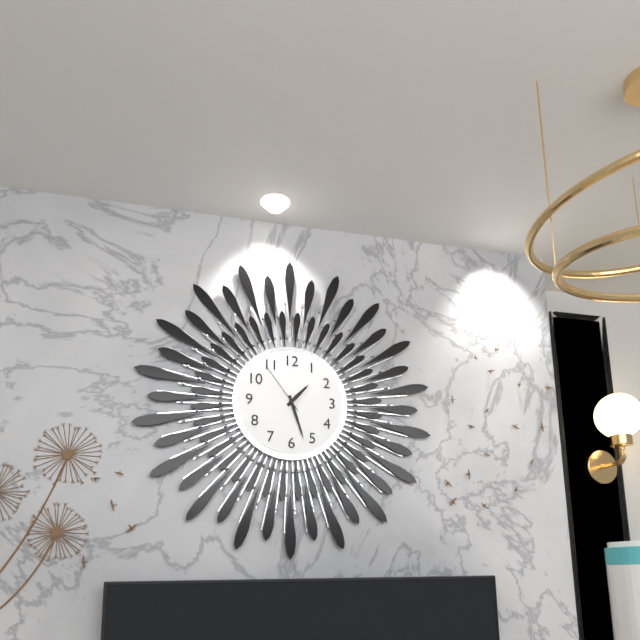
1:27:54
